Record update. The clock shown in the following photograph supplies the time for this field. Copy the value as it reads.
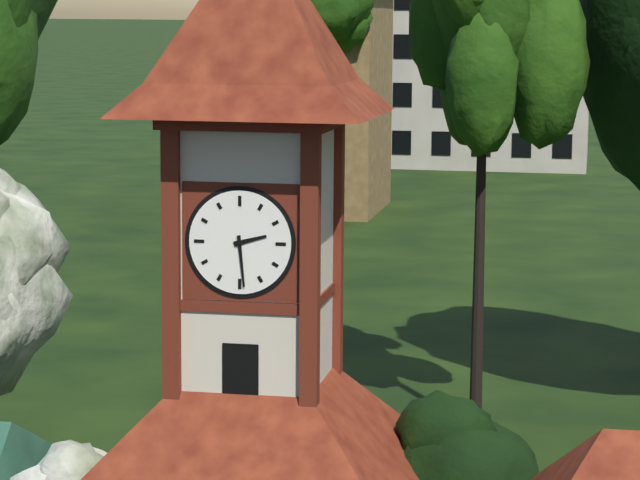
2:29
